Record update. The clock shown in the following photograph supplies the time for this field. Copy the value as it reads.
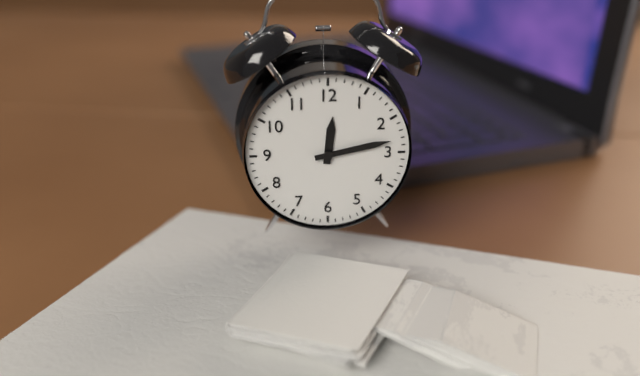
12:13
